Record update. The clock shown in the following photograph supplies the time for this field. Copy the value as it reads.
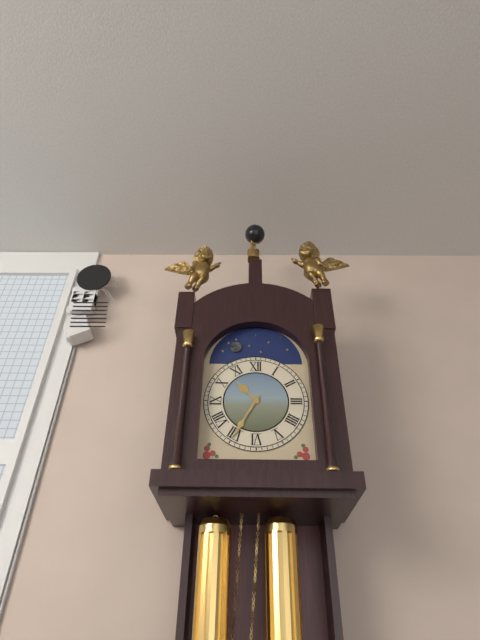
10:35
